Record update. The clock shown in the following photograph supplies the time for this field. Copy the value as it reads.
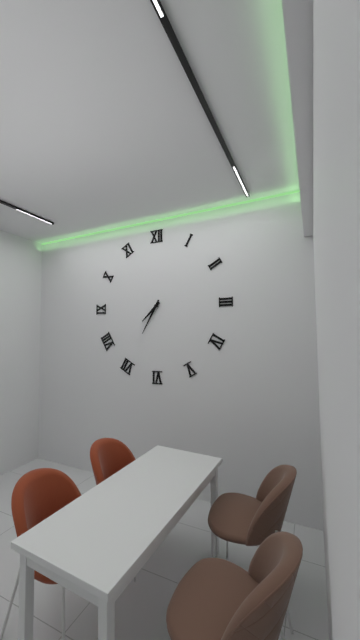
7:35
